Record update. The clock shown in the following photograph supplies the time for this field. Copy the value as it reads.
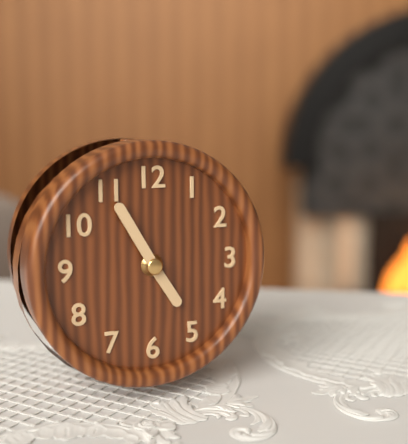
4:55
